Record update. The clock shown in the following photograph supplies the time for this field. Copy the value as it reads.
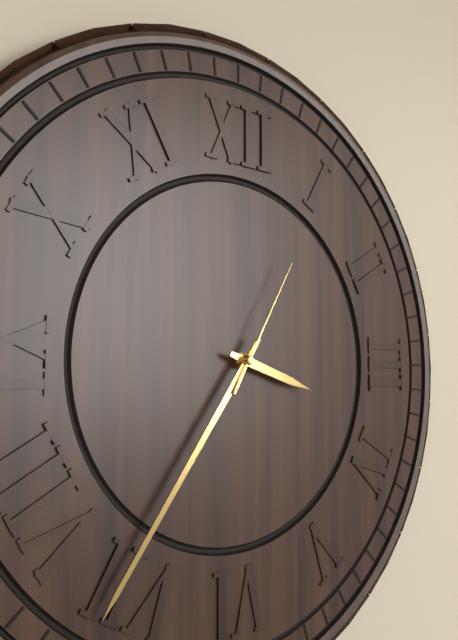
3:36:05
